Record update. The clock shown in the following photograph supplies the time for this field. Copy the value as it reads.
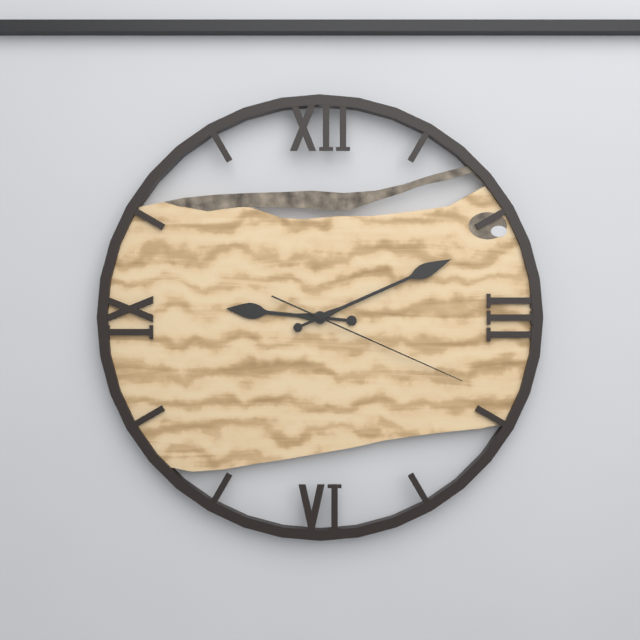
9:11:19
